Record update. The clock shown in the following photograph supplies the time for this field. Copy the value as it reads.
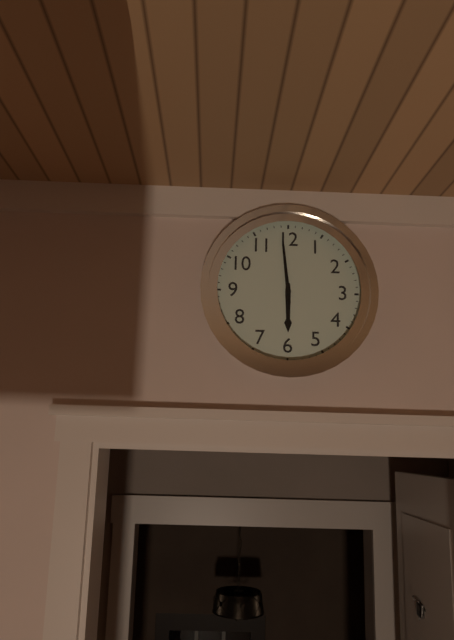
5:59
